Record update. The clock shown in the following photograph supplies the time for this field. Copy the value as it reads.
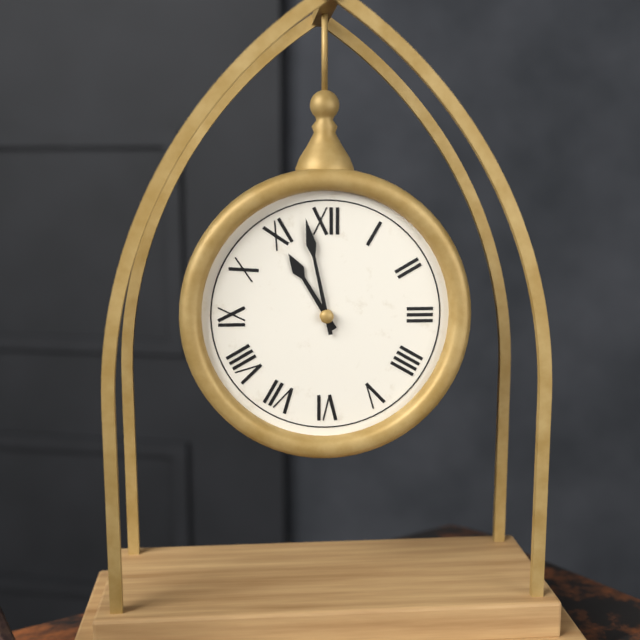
10:58
